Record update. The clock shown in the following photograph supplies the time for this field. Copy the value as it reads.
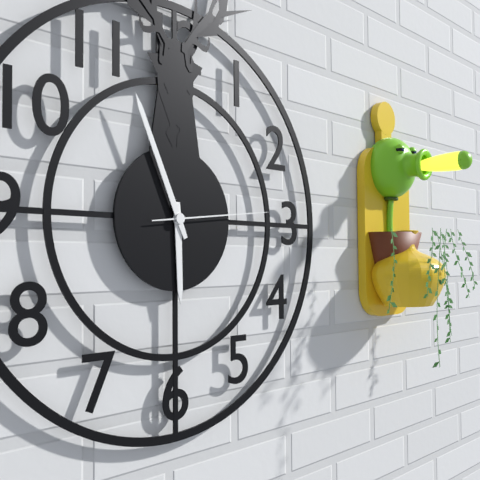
5:56:14
